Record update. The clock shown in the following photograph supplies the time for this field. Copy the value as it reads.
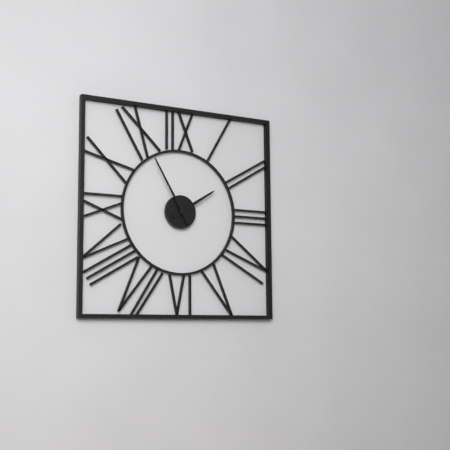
1:55
